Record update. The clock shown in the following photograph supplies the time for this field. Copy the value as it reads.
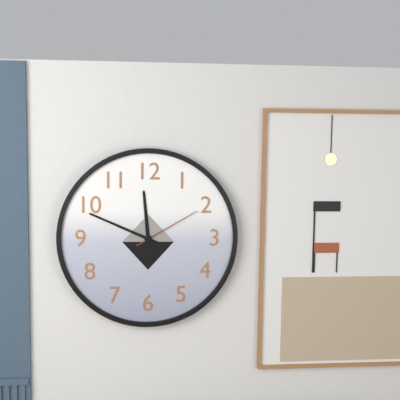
11:49:10
